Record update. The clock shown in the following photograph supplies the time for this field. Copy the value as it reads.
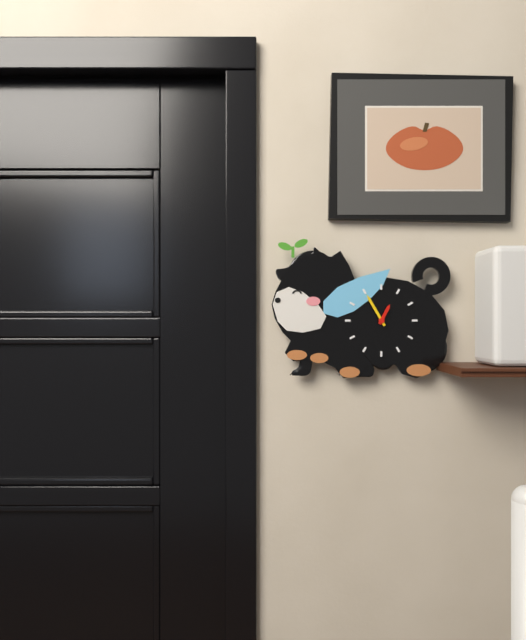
12:55
